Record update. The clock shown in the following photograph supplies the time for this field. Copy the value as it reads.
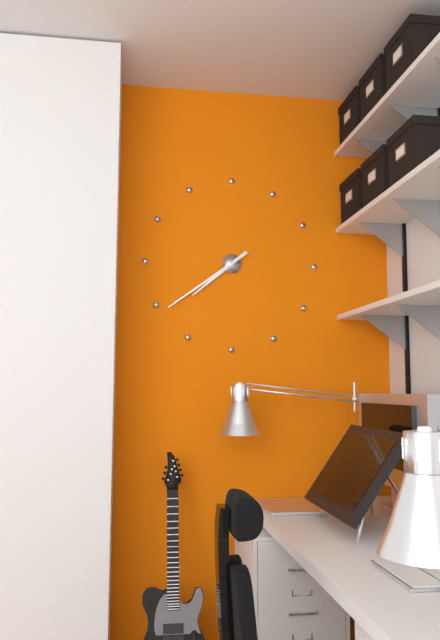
7:39
